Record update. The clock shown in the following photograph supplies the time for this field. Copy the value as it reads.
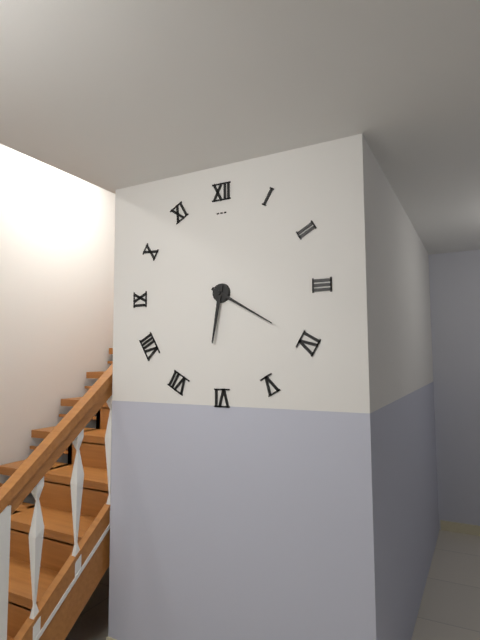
6:20
